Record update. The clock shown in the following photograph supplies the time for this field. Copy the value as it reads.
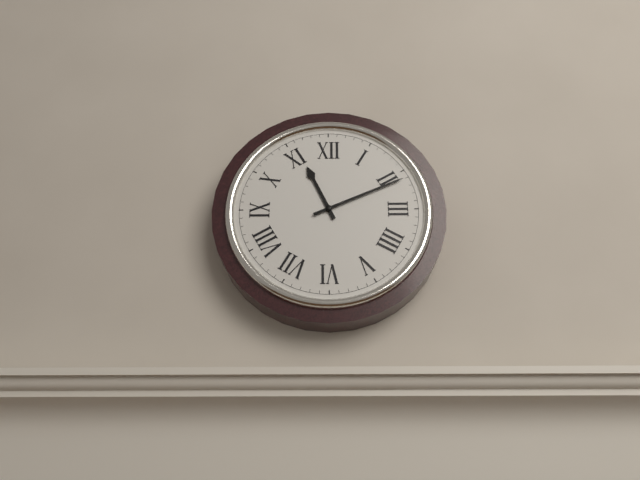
11:11
